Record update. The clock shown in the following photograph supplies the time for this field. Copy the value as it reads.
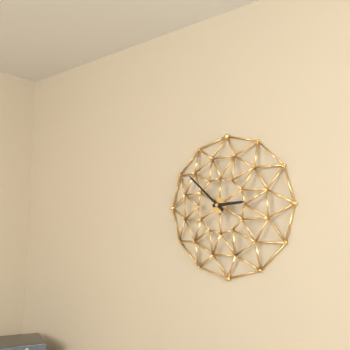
2:52
